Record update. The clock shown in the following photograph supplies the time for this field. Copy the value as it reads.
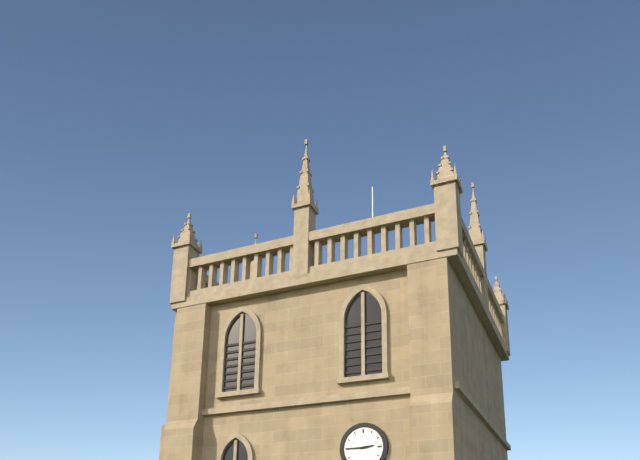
2:45
